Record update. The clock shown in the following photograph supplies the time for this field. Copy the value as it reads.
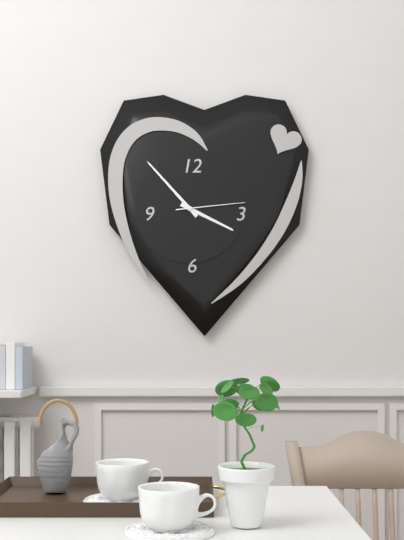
3:53:14
